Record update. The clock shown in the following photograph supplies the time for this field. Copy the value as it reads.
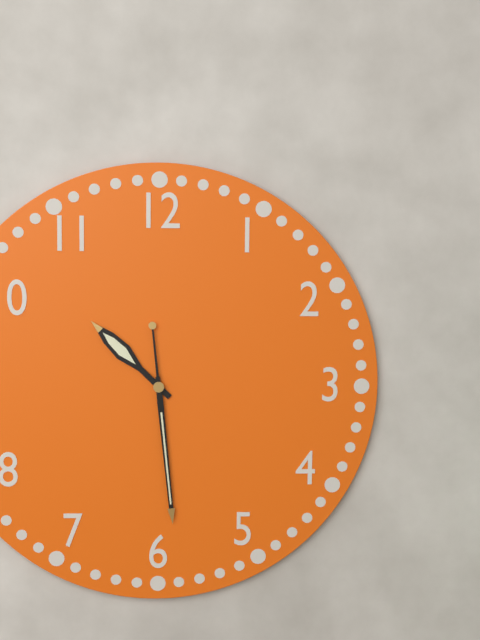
10:29
